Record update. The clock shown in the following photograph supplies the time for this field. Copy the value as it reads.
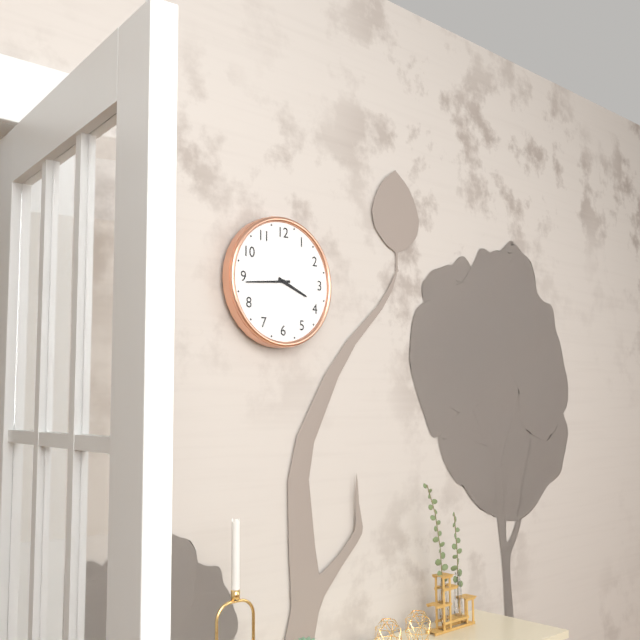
3:44
